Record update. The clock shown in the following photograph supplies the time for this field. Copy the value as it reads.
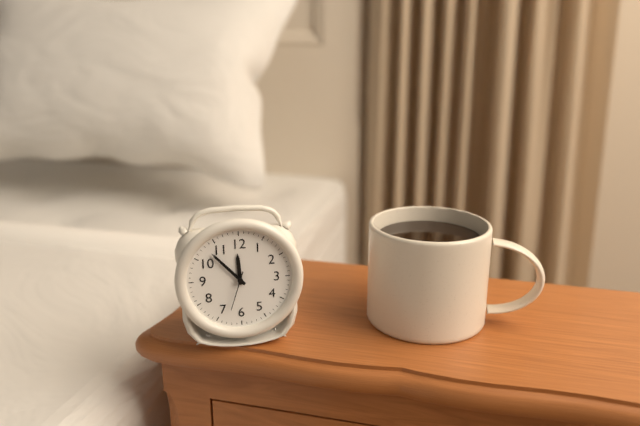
11:53
